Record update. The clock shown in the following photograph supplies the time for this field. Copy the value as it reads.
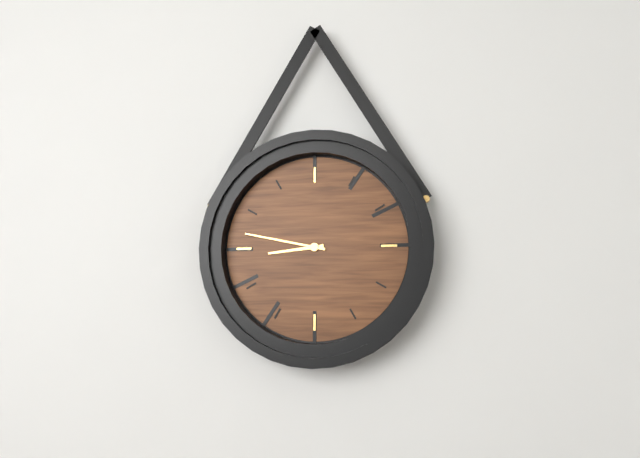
8:47
